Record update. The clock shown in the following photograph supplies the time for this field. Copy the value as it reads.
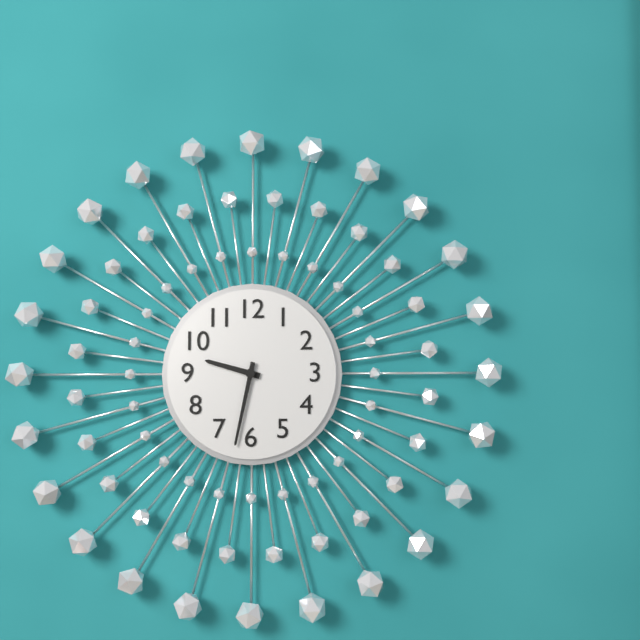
9:32
